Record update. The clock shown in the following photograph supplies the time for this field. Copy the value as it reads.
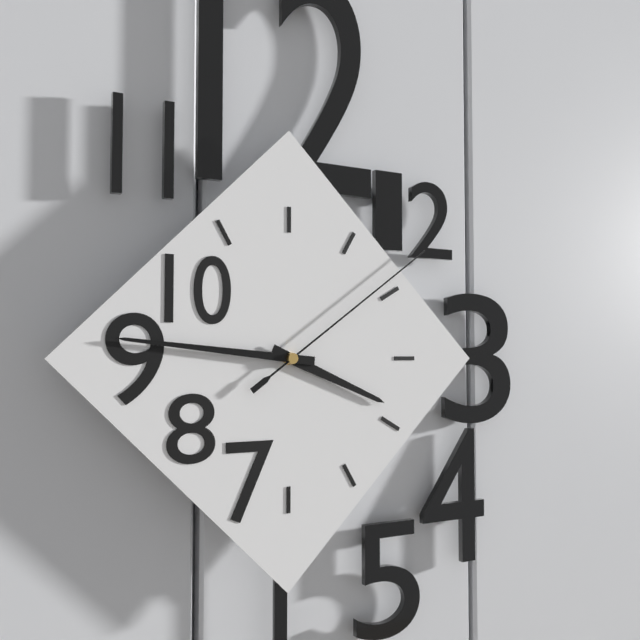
3:46:09
